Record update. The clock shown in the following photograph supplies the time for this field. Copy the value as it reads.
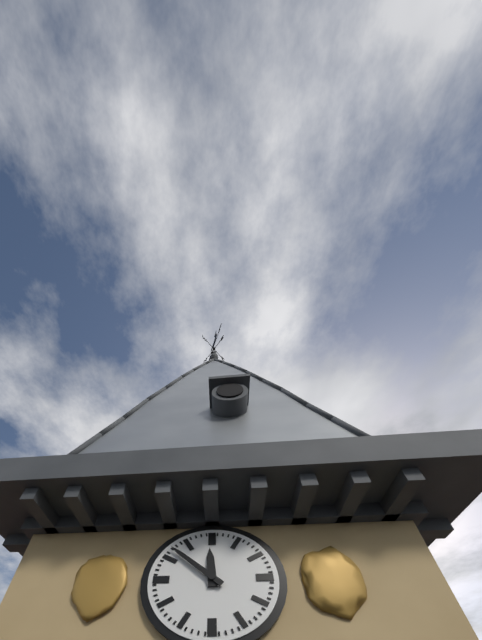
11:52
